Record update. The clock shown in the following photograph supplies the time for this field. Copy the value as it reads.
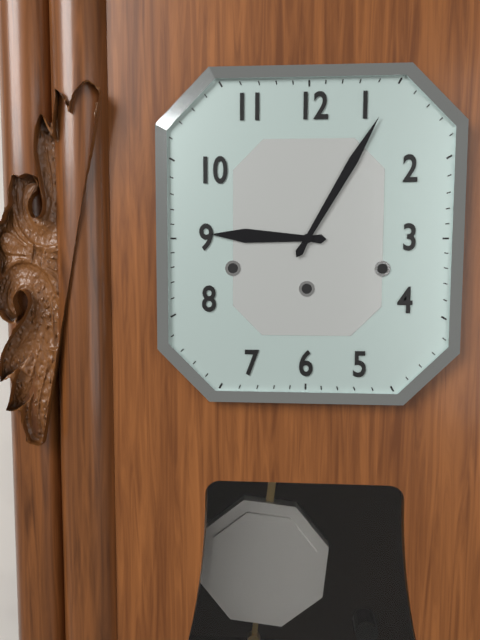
9:05
